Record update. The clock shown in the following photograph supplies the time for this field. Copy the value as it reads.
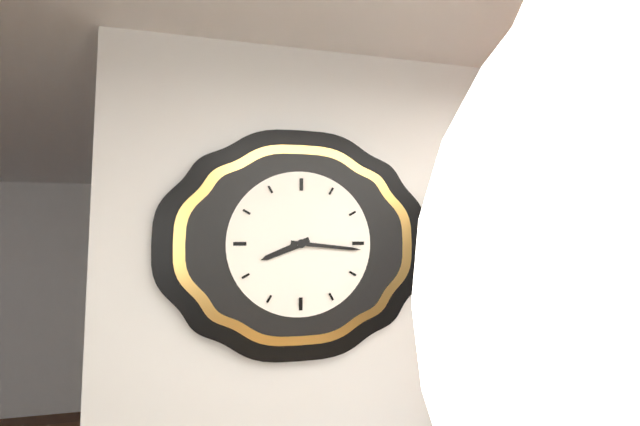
8:16
